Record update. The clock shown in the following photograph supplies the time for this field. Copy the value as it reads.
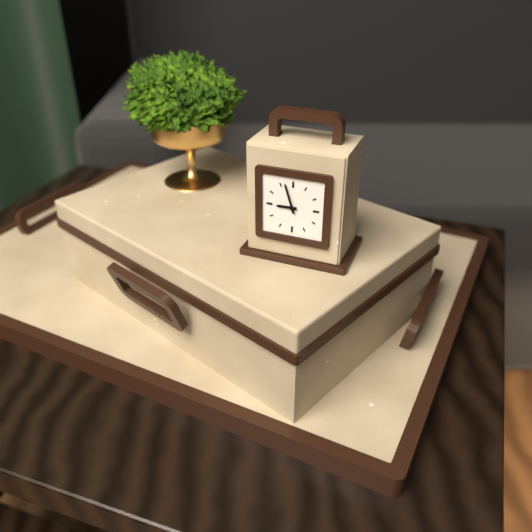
8:57
